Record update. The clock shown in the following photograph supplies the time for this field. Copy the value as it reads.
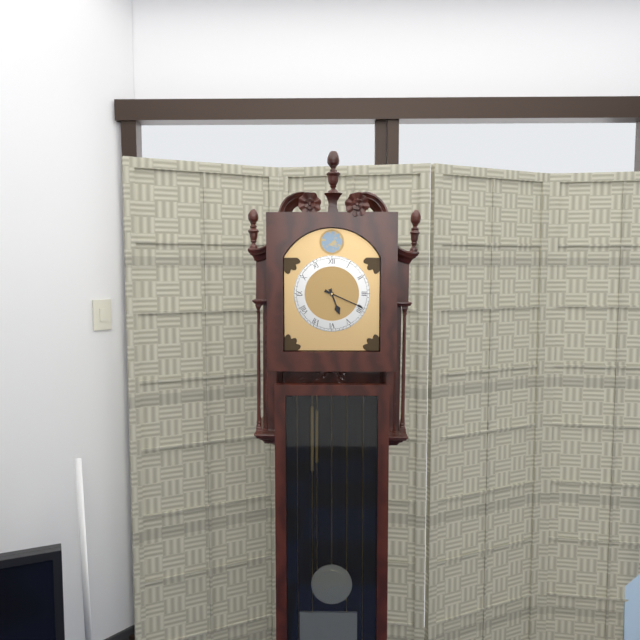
5:19
